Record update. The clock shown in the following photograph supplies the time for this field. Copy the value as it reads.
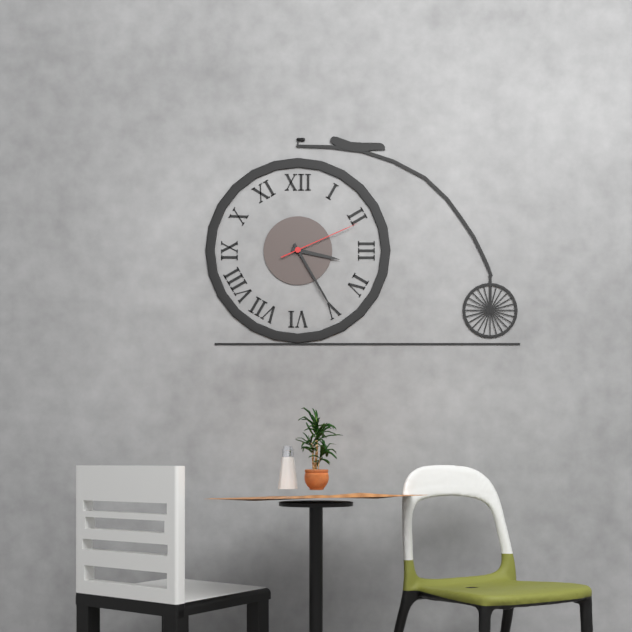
3:25:11
